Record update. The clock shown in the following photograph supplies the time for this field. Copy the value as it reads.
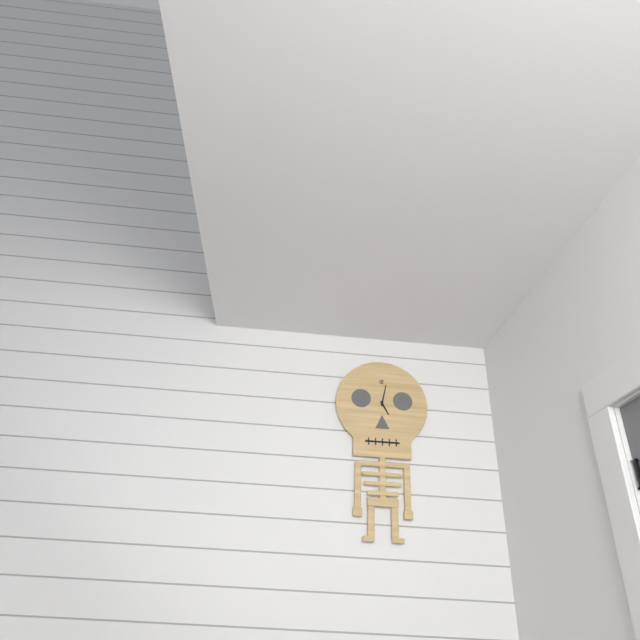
5:02
